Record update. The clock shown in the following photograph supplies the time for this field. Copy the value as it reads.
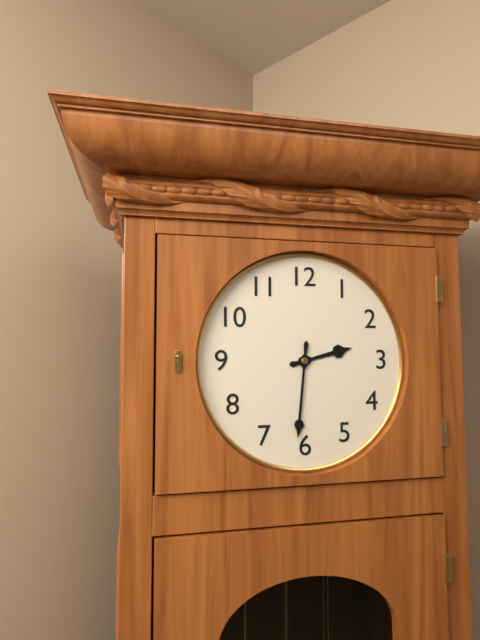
2:31
